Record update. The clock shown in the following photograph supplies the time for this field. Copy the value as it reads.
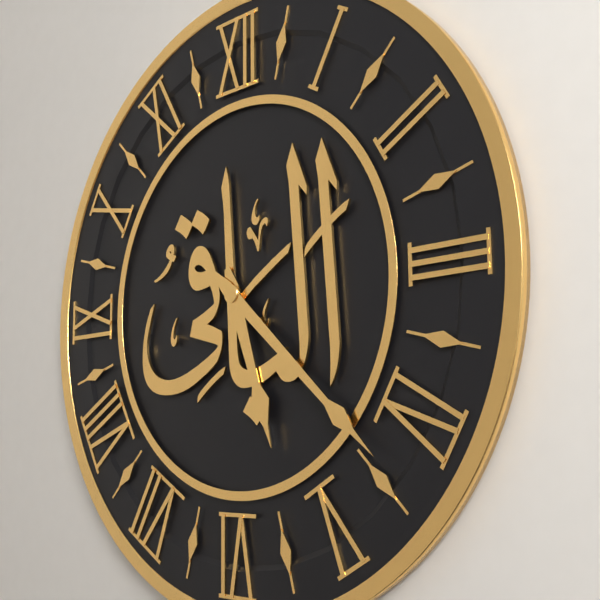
5:22
